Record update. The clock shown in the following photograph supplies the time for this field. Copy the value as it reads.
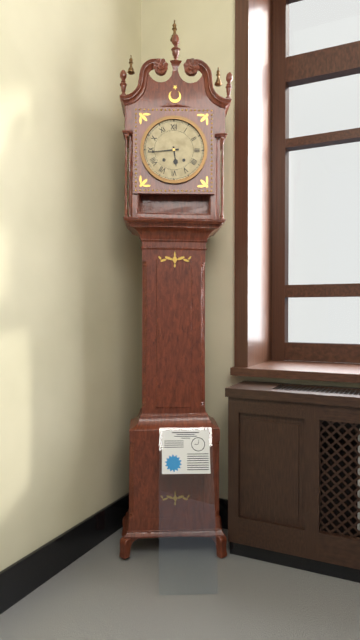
5:44
